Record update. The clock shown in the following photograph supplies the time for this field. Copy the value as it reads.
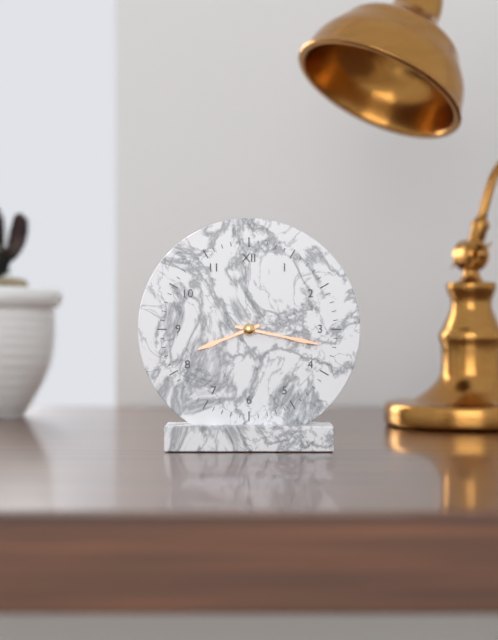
8:17
